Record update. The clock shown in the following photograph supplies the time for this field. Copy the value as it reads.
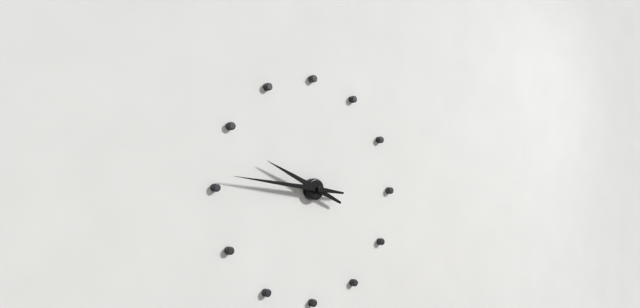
9:46
